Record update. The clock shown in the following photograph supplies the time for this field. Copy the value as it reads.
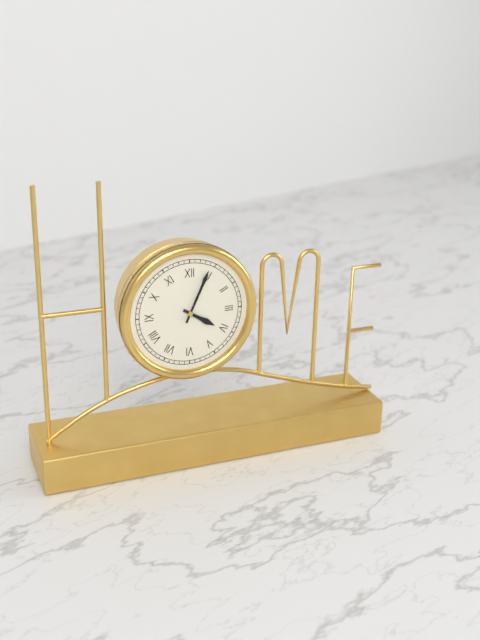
4:04
